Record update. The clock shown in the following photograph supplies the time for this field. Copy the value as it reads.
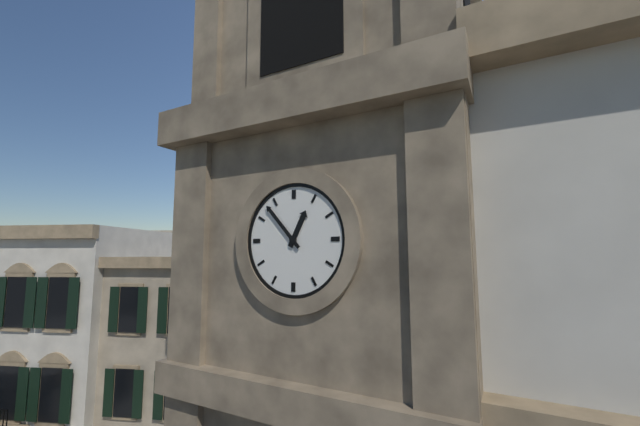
12:53
